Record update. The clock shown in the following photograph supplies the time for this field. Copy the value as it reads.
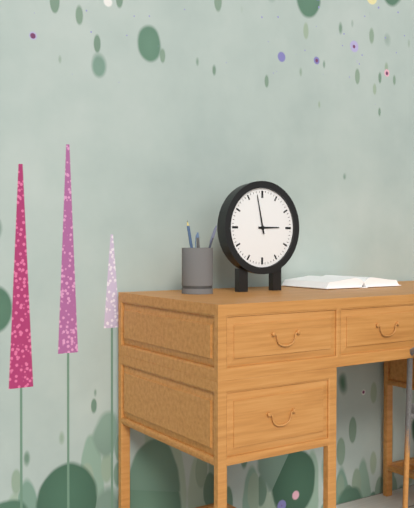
2:58
